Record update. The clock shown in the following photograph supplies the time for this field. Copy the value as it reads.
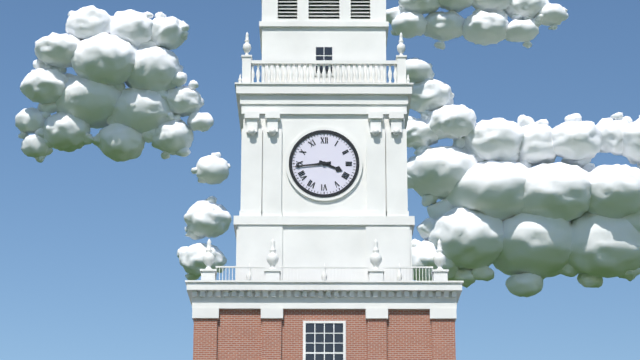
3:44
